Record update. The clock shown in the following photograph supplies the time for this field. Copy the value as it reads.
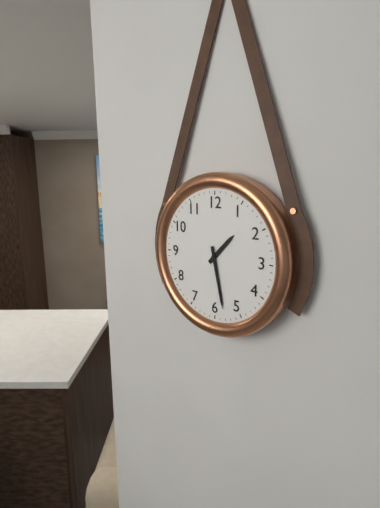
1:28
